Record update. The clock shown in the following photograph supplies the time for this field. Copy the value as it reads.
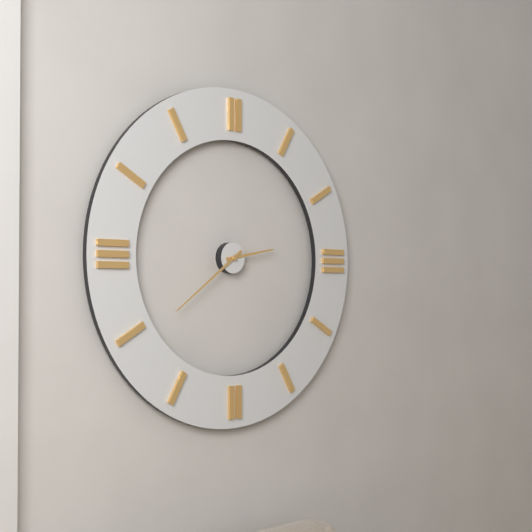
2:39
